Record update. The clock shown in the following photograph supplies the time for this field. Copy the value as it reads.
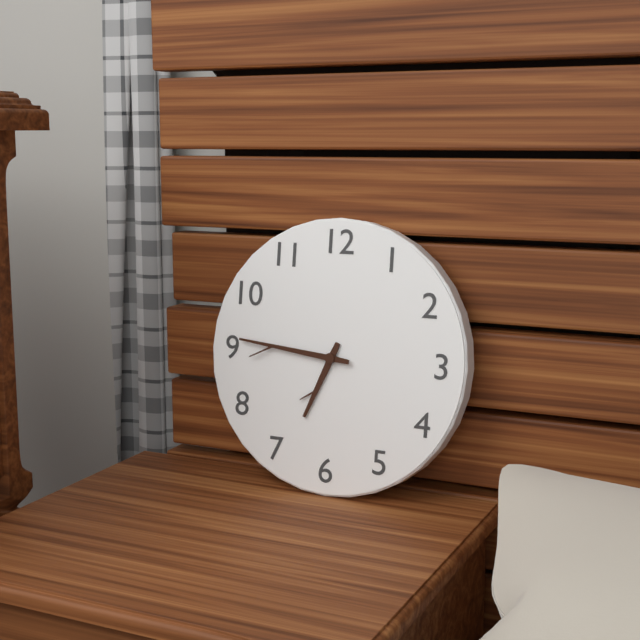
6:46
